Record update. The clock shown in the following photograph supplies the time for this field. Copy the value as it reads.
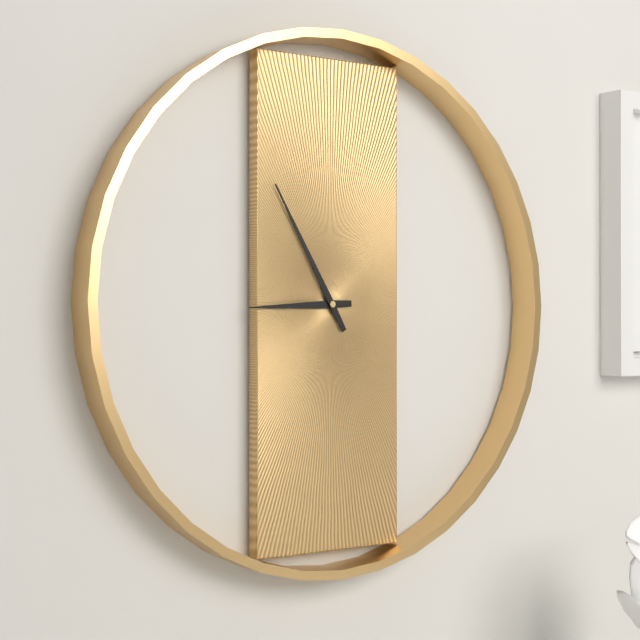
8:55
